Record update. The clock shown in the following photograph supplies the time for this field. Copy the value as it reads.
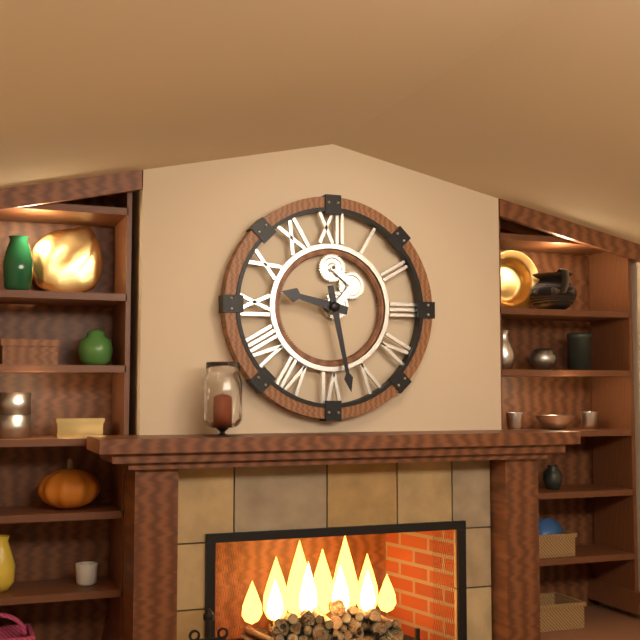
9:28
